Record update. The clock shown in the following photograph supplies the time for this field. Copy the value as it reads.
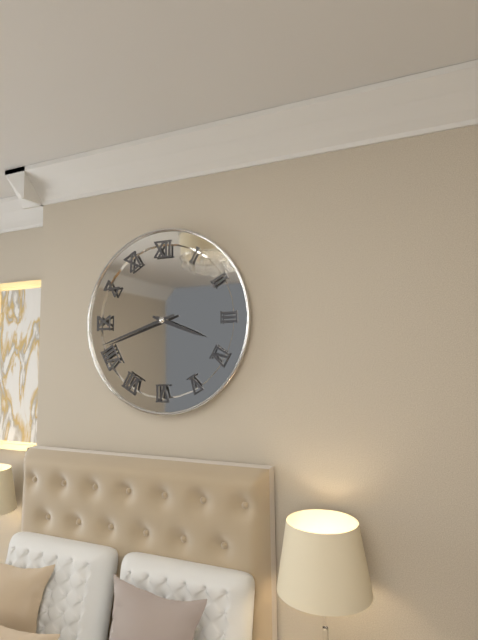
3:42
